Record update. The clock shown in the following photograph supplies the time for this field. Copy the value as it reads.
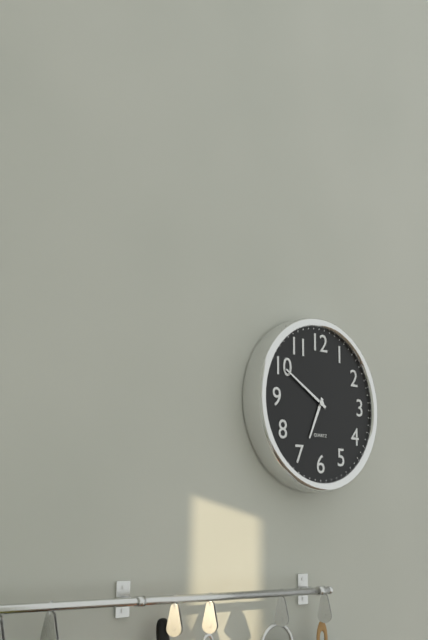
6:50
